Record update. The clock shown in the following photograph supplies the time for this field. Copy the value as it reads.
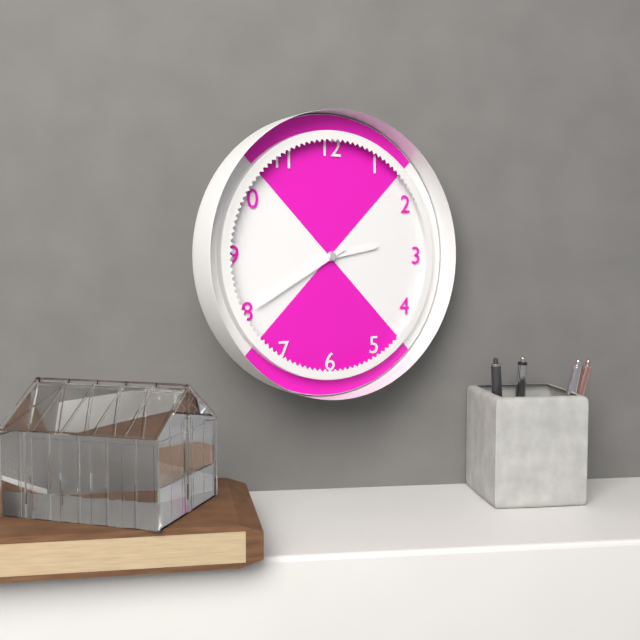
2:40
